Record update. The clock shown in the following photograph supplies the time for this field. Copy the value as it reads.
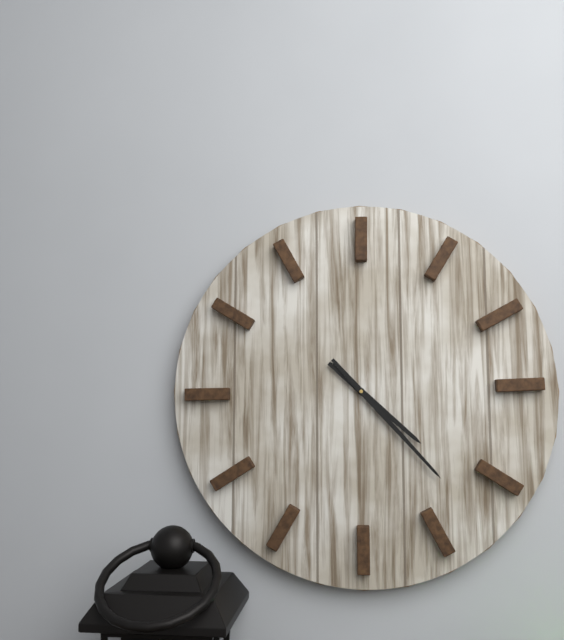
4:23
